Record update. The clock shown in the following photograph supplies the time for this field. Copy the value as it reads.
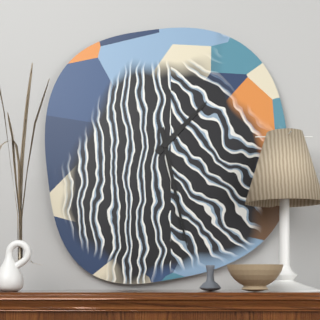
1:28
